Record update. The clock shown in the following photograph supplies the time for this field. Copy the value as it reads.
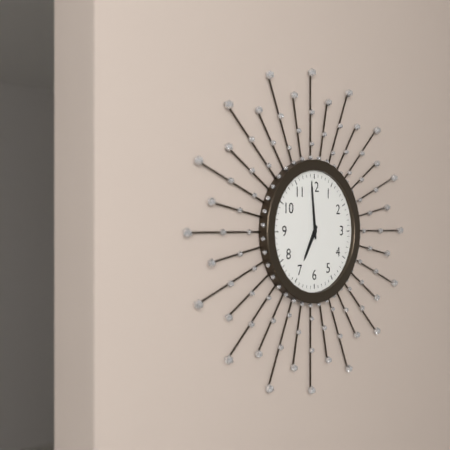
6:59
